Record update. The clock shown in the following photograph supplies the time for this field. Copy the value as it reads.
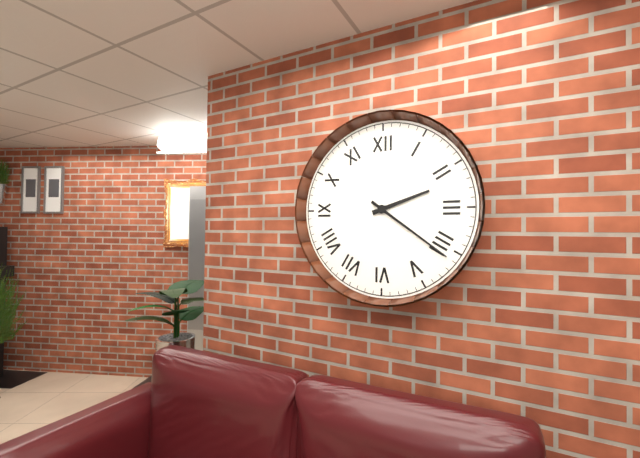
2:21
